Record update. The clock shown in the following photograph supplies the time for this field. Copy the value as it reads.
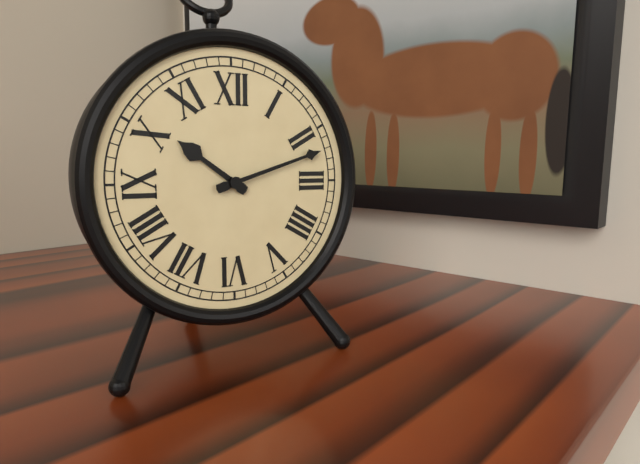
10:12
